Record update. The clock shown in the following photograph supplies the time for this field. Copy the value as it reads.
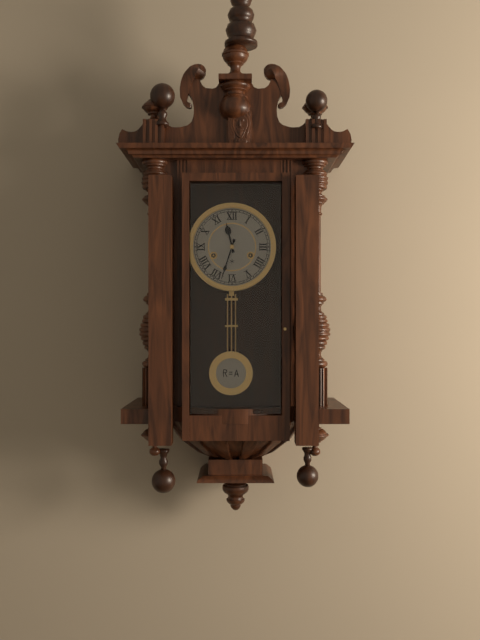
11:33
